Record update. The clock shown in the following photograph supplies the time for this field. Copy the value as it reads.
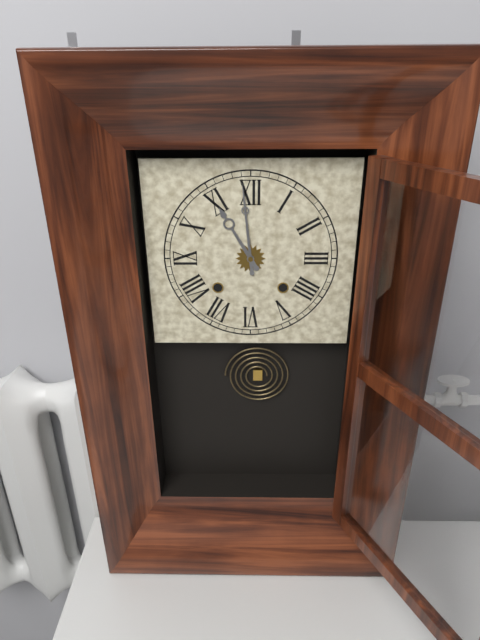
10:59
